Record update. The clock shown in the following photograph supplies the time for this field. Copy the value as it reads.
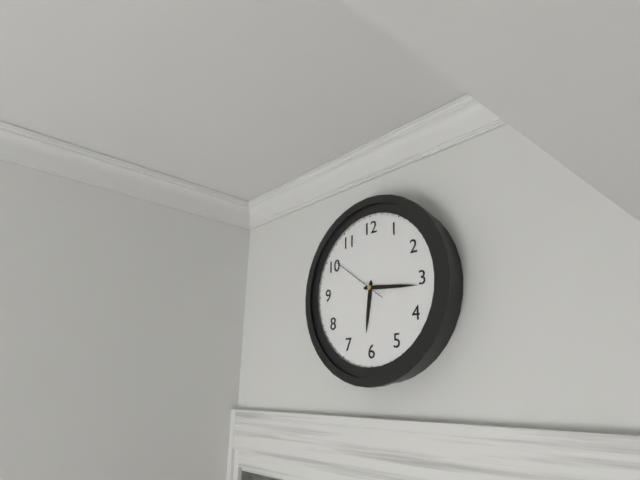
6:16:51
